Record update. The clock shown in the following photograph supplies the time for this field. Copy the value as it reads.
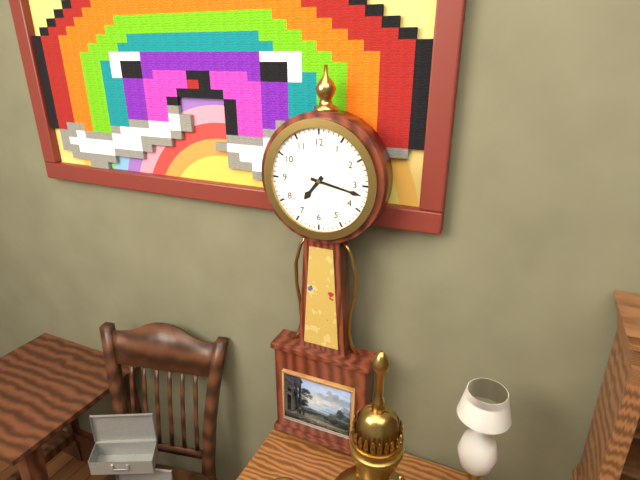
7:17
